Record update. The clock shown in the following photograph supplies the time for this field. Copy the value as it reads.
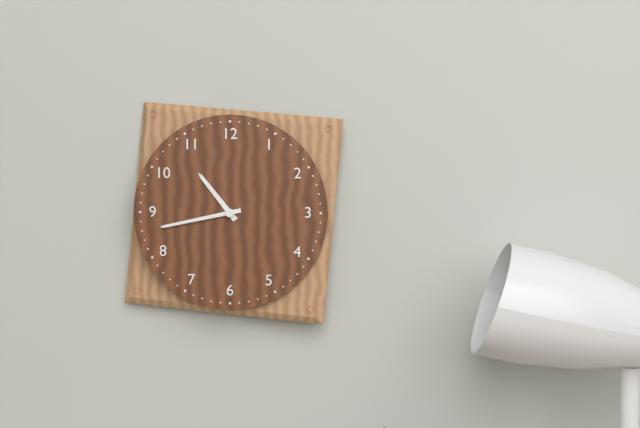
10:43
